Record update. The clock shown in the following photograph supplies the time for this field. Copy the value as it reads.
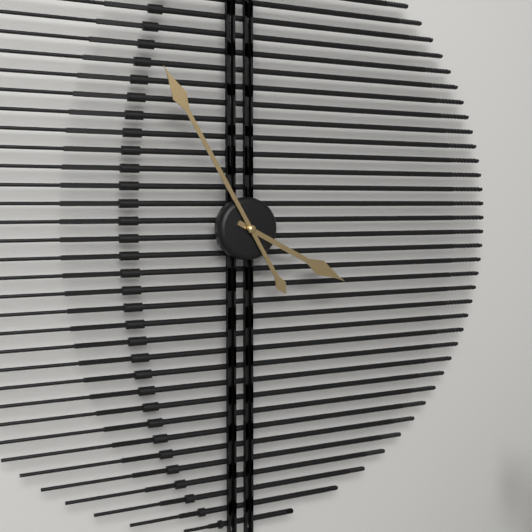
3:55
